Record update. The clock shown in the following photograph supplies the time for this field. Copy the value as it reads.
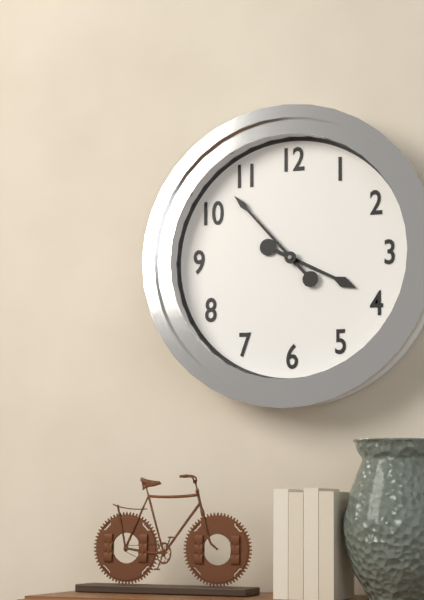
3:53
